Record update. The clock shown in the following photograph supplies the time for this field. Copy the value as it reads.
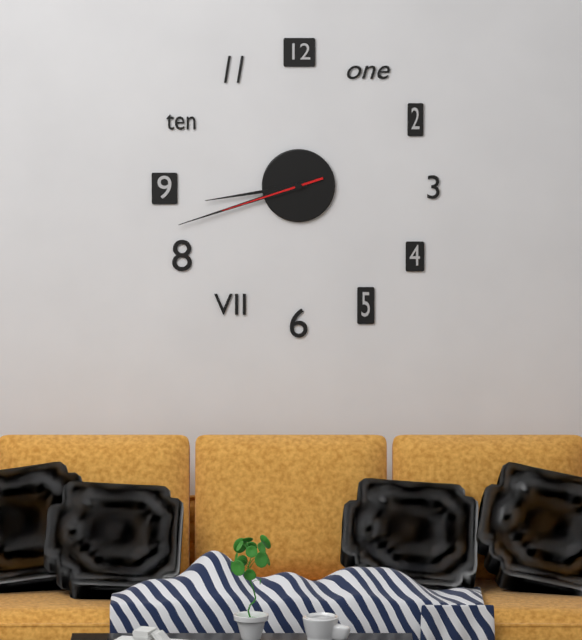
8:42:42
